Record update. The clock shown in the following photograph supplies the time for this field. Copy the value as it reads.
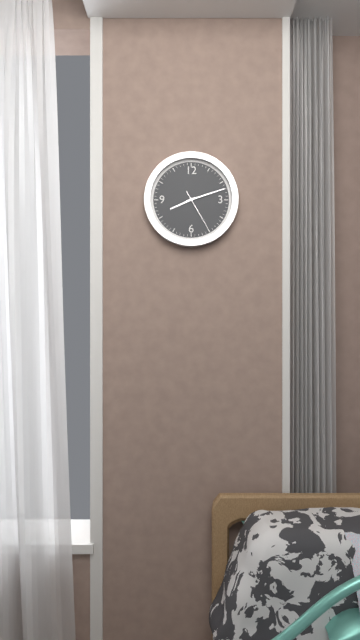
8:12
